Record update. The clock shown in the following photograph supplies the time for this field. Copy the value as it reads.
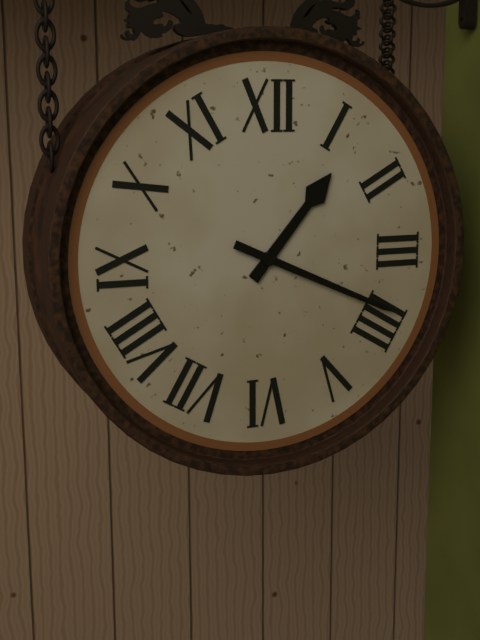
1:19
